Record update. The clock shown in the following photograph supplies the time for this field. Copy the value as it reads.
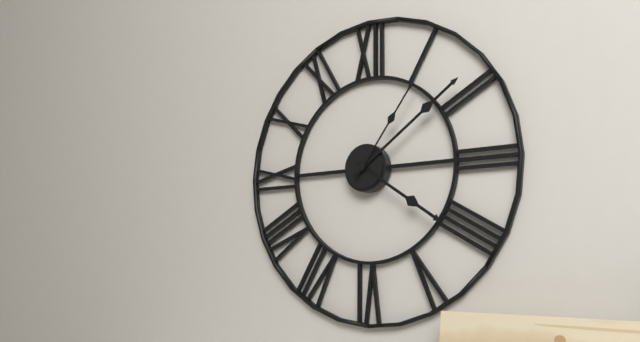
4:09:06
